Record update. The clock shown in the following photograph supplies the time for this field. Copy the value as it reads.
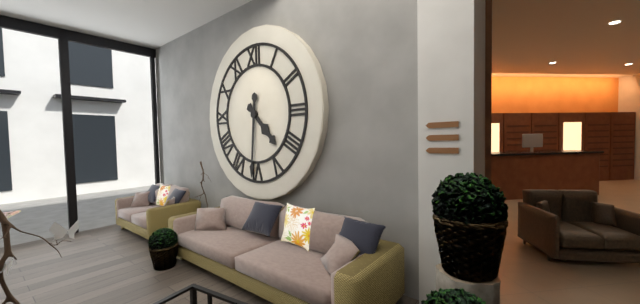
4:31
